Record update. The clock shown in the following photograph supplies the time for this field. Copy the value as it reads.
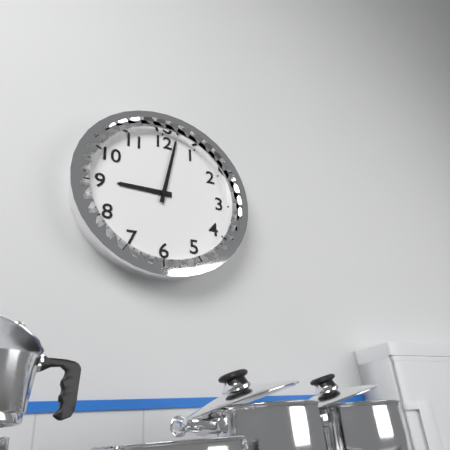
9:02
